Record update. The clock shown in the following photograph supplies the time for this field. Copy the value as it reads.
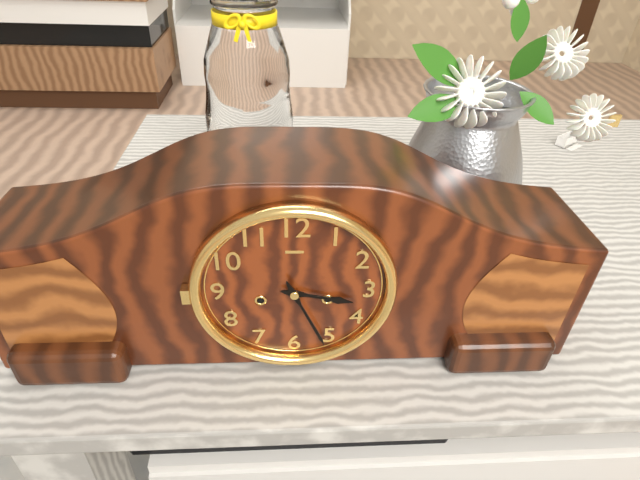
3:26
